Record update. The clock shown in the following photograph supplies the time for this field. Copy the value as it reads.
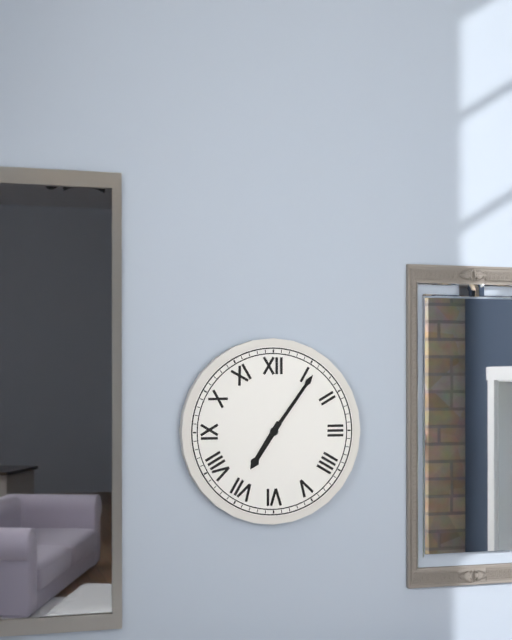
7:06
